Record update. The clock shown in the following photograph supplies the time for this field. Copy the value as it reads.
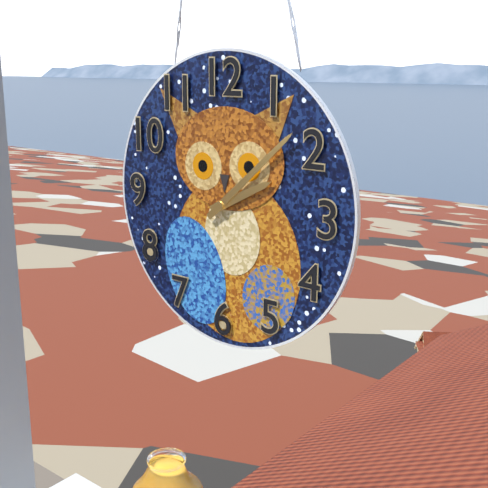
2:08
